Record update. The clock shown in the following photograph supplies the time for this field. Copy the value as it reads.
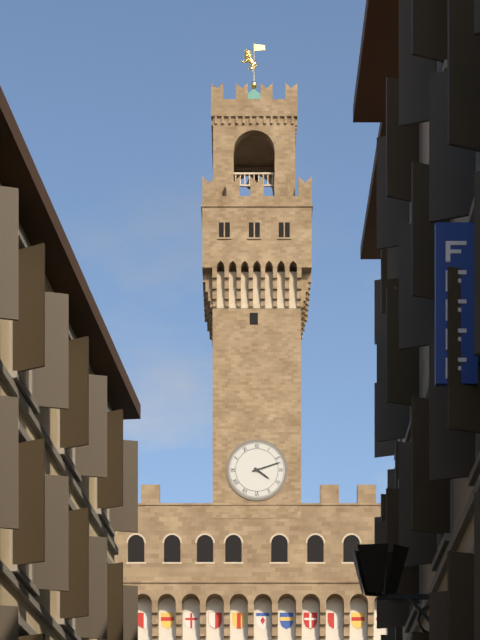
4:12
